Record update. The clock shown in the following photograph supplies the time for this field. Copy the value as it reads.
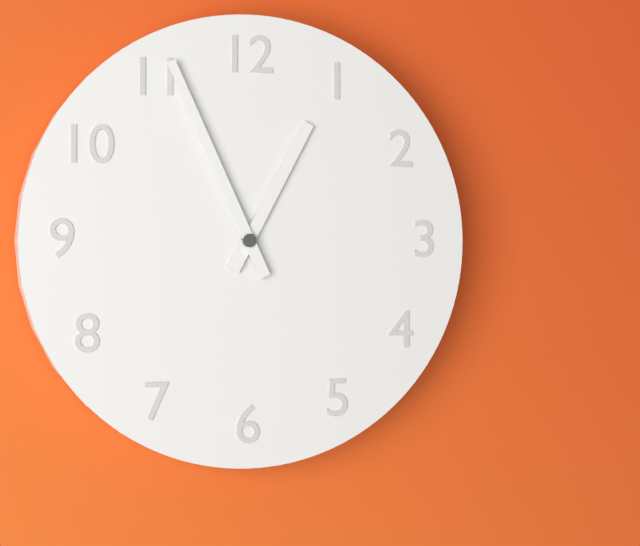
12:56
